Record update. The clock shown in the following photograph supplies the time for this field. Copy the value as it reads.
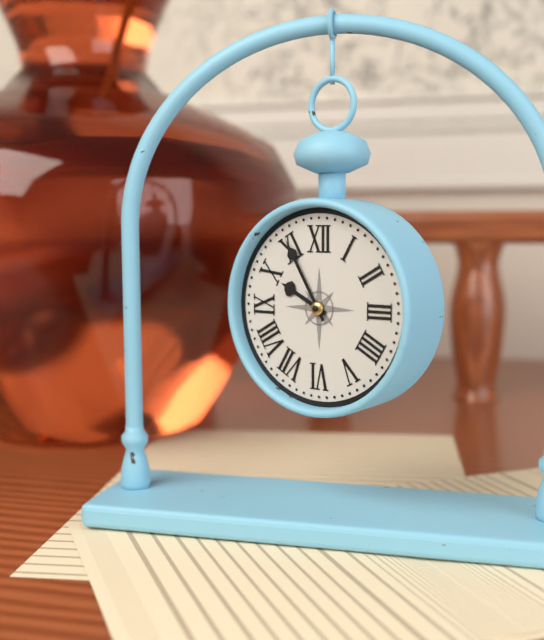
9:55
